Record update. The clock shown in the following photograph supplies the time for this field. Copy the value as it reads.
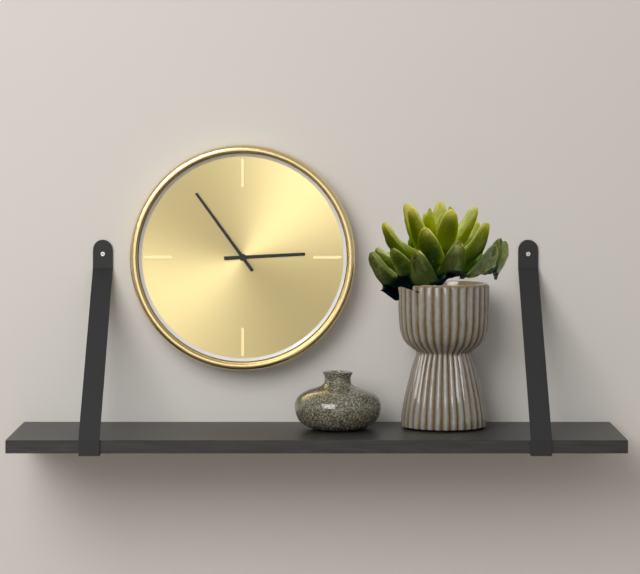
2:54
